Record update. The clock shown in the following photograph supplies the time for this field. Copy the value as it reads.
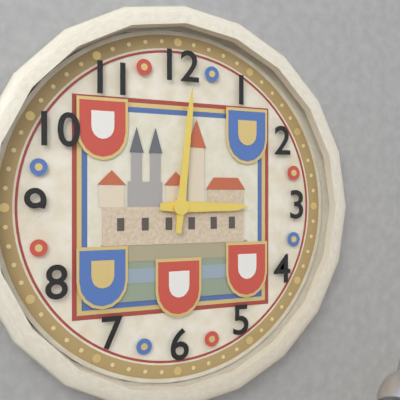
3:01
